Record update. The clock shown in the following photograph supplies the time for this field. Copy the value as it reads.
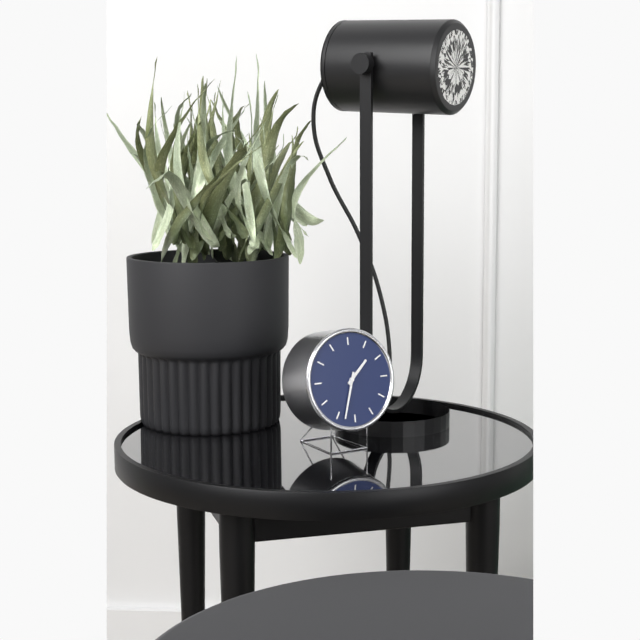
1:33
